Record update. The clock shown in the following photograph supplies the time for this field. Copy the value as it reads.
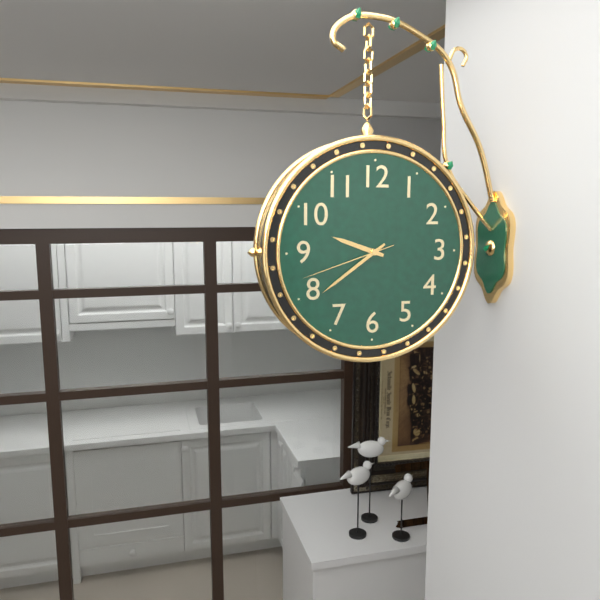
9:39:42
